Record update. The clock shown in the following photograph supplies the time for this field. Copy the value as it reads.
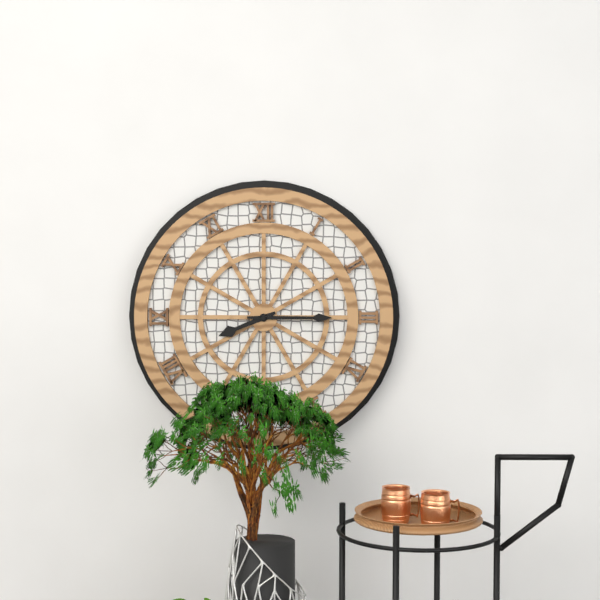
8:15
